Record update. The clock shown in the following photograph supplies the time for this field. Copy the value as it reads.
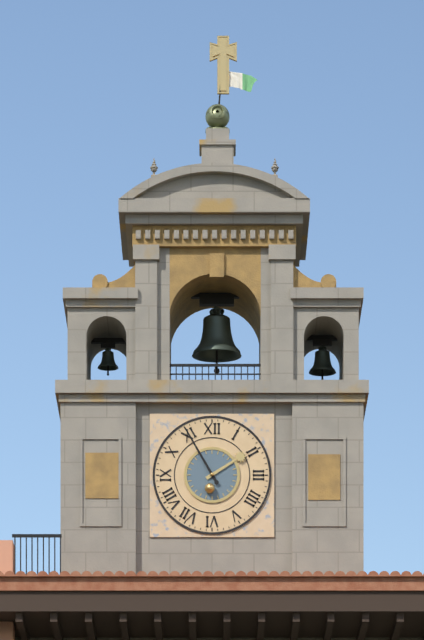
1:55
